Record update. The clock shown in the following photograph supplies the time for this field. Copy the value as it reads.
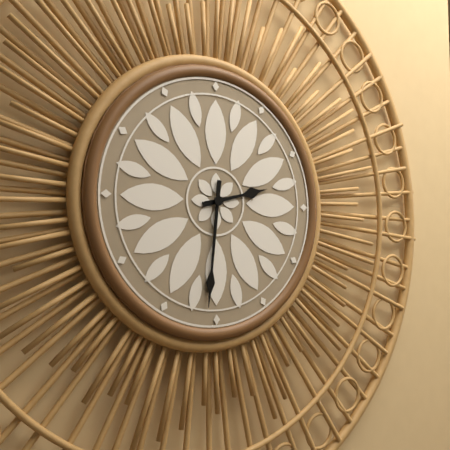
2:31
